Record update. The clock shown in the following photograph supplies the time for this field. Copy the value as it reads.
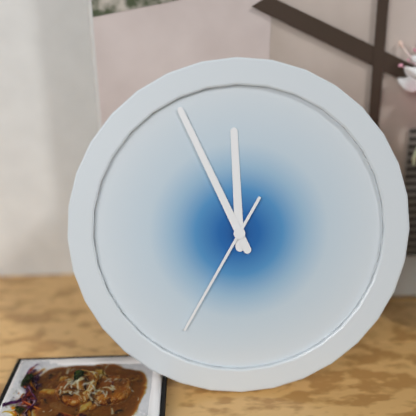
11:56:35
